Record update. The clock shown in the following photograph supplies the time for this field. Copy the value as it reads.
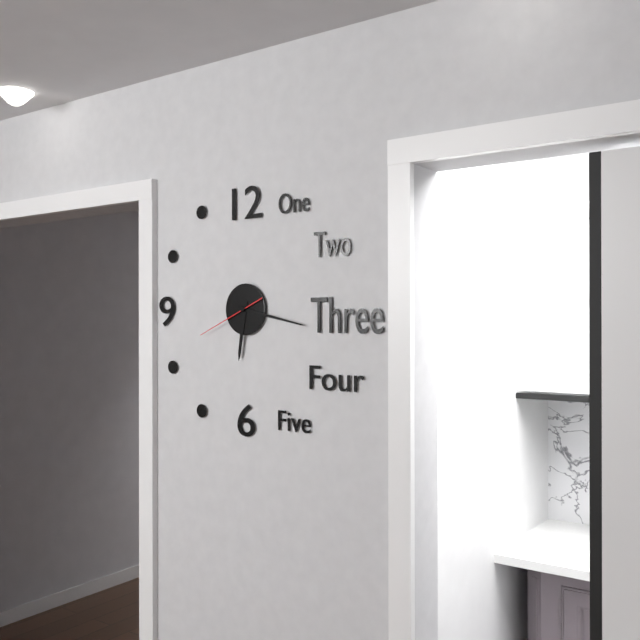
6:17:41
